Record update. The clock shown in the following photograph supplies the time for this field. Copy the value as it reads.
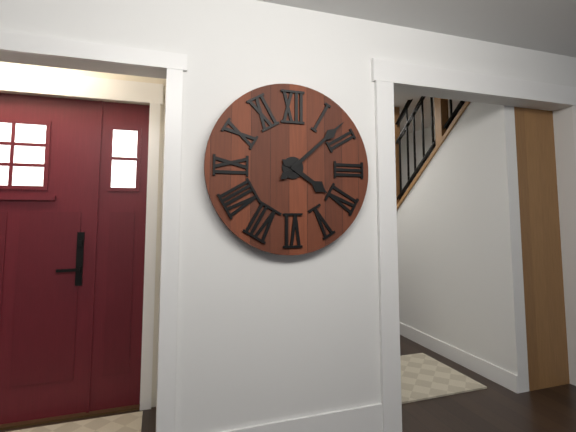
4:08
